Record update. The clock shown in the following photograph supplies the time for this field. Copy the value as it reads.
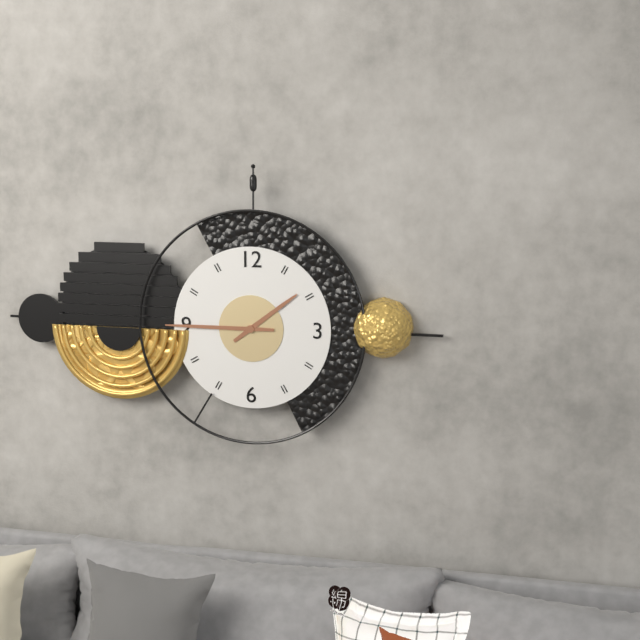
1:45
